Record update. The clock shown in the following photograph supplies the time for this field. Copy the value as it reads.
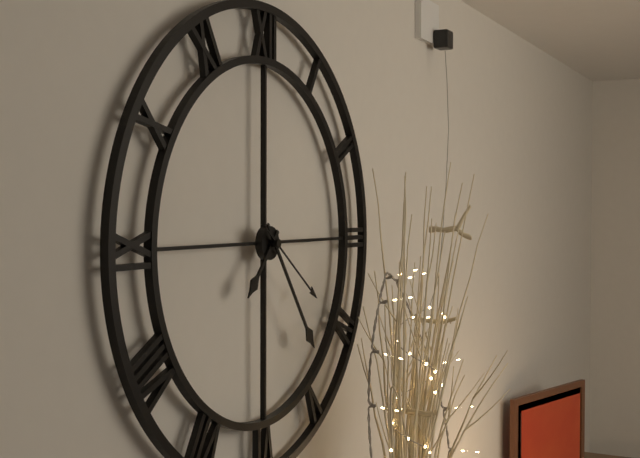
7:24:21
